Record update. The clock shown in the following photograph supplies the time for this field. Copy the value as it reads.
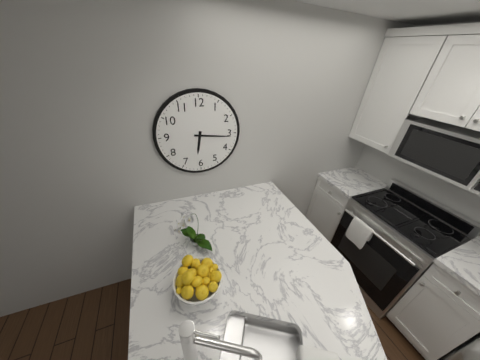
6:16
